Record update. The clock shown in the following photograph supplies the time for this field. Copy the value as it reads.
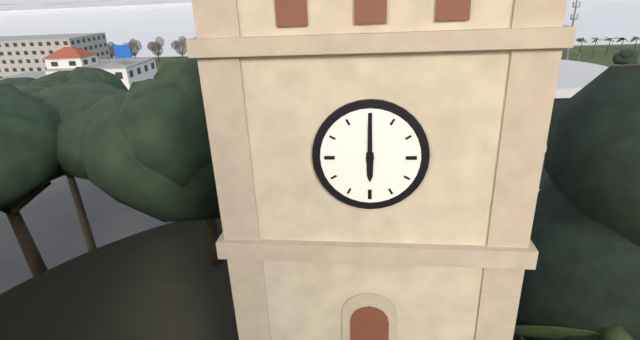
6:00
